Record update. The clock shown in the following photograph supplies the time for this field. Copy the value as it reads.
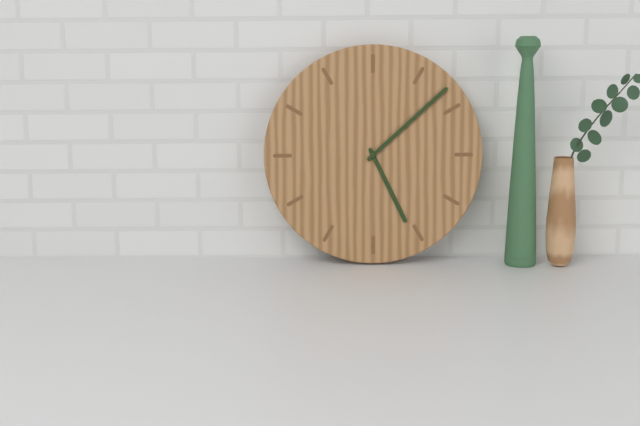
5:08
